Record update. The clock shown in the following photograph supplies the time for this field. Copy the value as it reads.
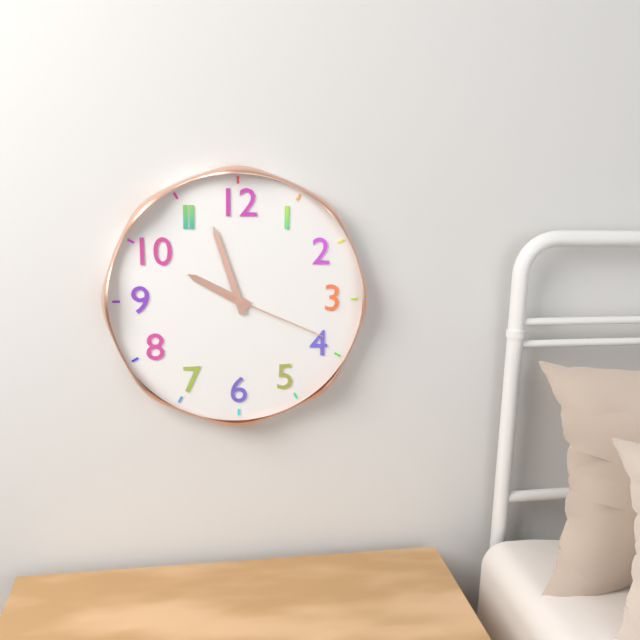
9:57:19
